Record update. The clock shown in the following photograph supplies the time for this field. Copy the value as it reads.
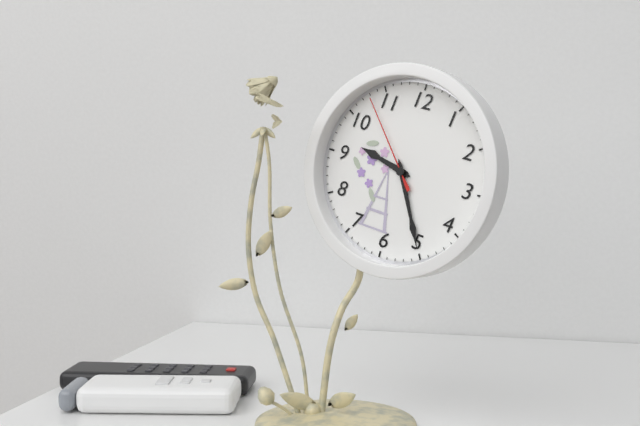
9:25:53
